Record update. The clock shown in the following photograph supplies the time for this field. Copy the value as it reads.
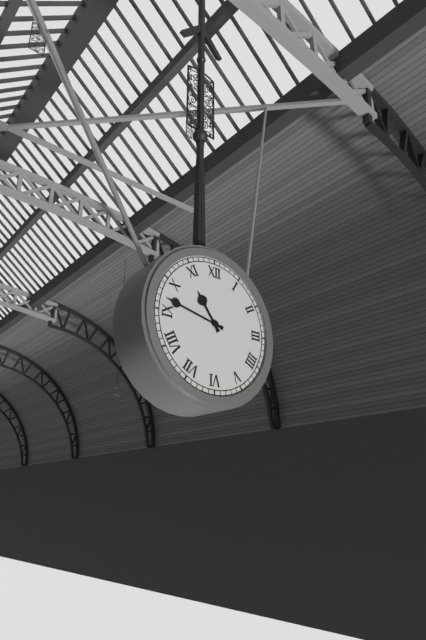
10:47
